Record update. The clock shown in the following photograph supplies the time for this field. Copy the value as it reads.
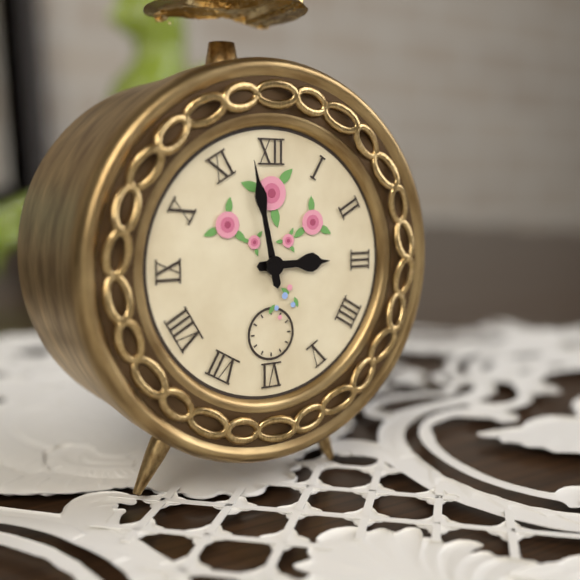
2:58
